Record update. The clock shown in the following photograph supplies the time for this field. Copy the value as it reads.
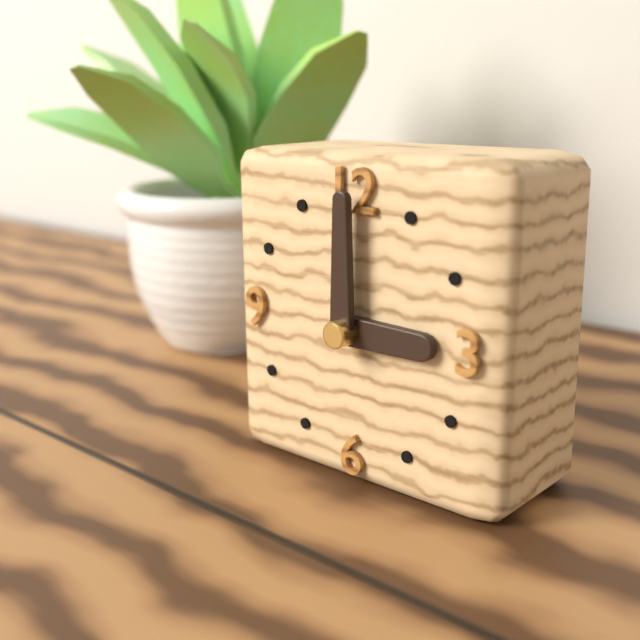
3:00
